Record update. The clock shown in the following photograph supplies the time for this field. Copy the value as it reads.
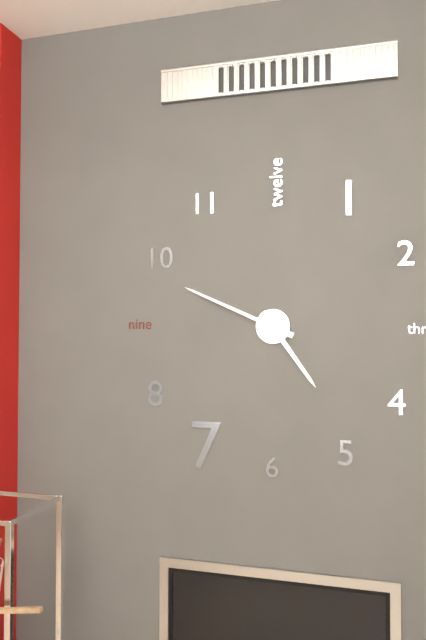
4:49
